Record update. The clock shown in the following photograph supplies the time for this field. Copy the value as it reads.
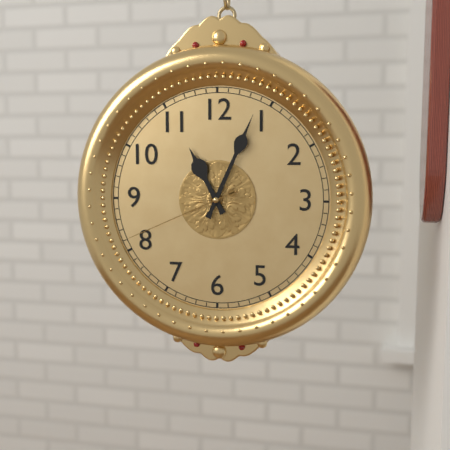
11:04:41
